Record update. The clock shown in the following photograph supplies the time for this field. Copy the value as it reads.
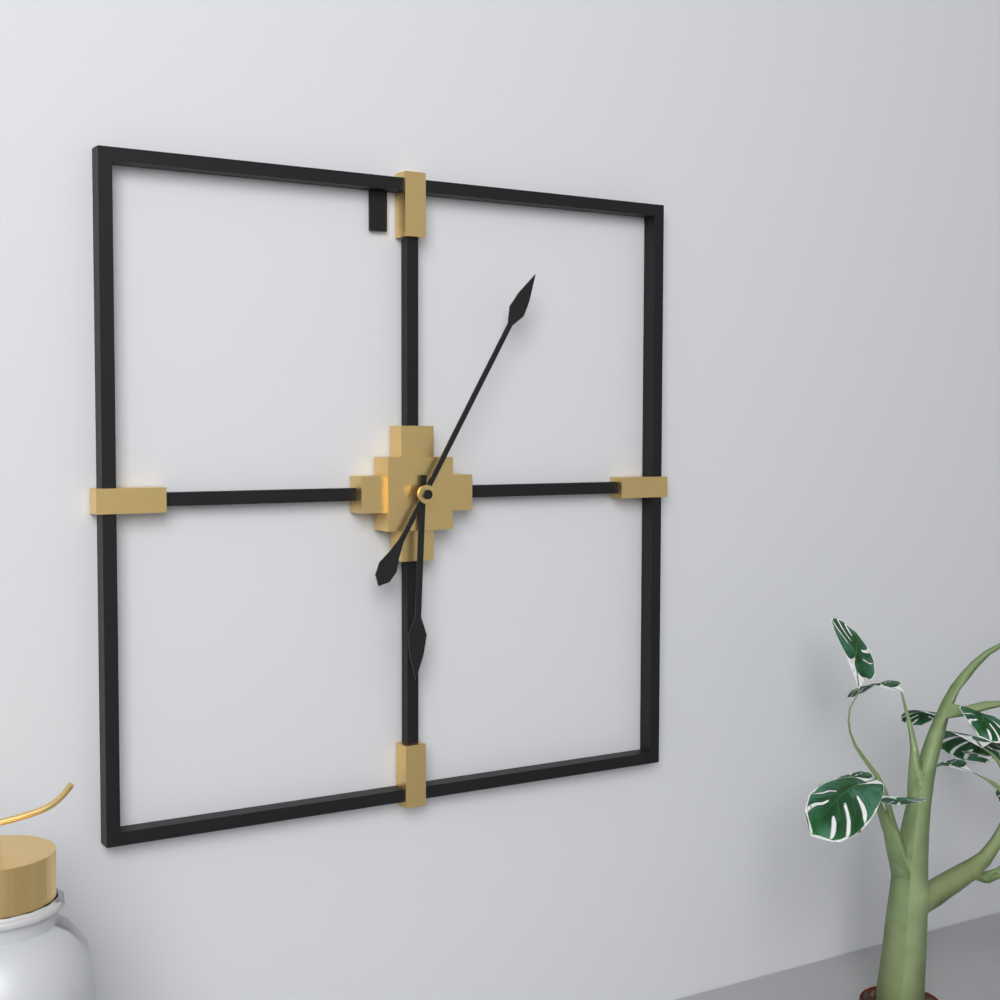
6:05
